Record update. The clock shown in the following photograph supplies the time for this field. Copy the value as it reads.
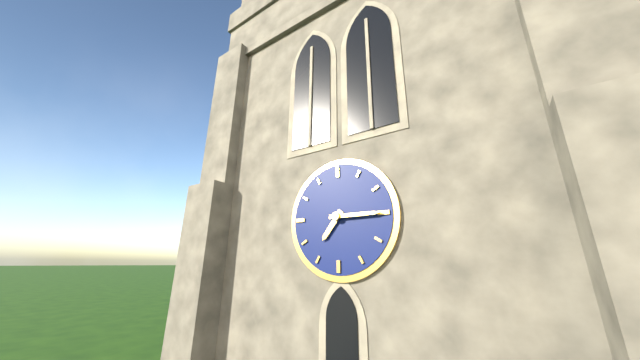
7:15
